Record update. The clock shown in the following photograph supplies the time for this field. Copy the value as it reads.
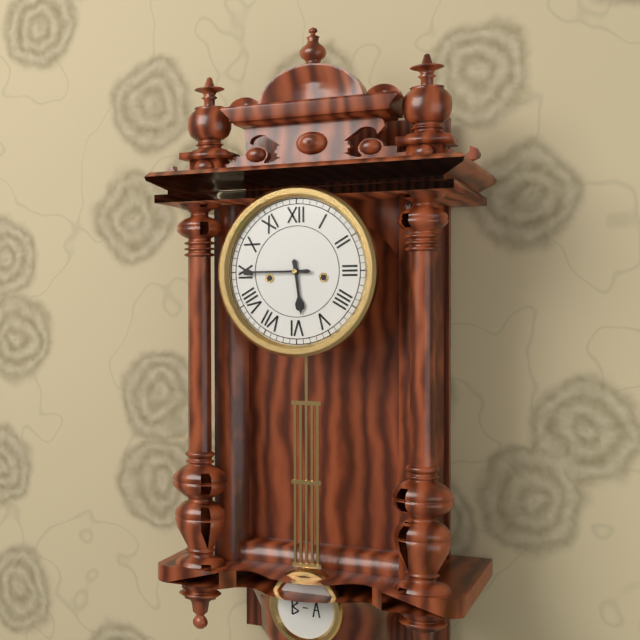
5:45
